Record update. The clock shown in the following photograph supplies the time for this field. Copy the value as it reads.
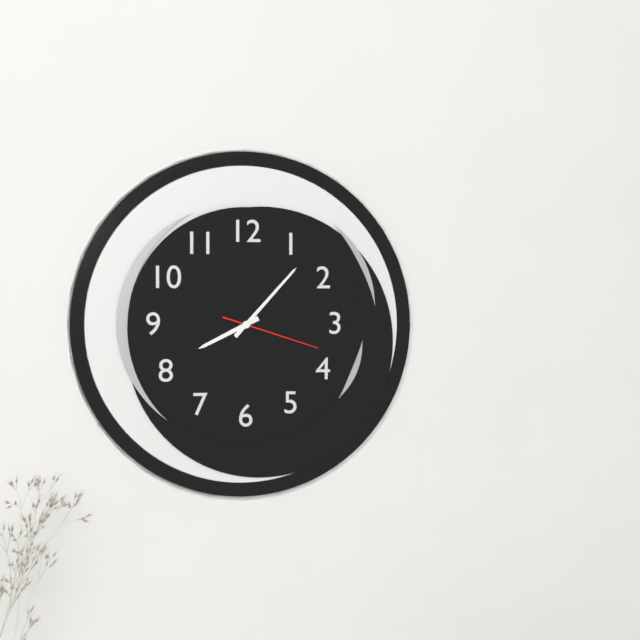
8:07:18
